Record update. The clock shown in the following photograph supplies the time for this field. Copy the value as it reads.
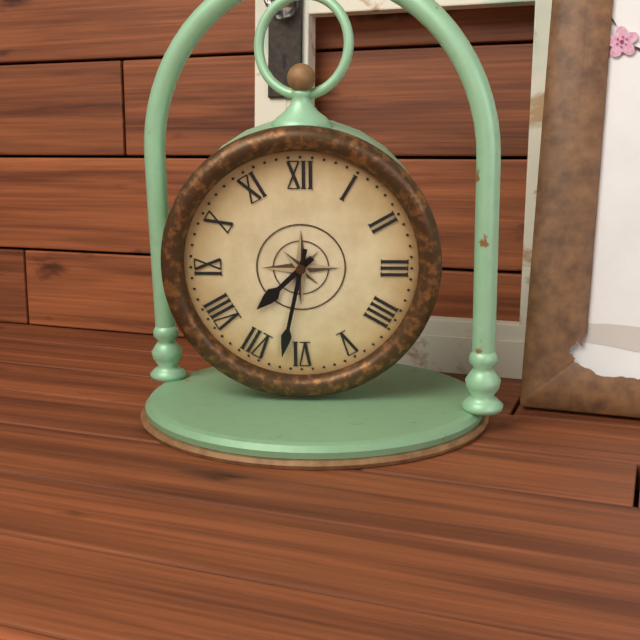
7:32
